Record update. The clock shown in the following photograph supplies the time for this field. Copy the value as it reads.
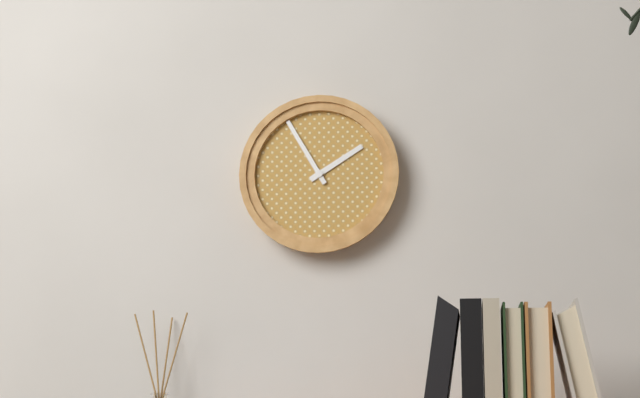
1:55
